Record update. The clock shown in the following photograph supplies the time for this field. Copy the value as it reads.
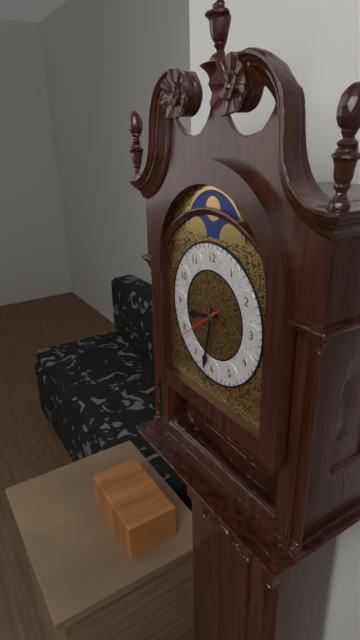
8:32
